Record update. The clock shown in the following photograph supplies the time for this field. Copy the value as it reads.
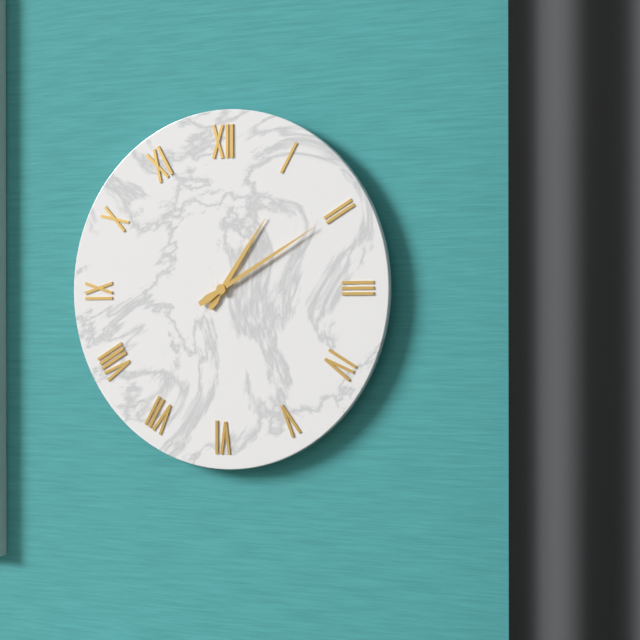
1:10
